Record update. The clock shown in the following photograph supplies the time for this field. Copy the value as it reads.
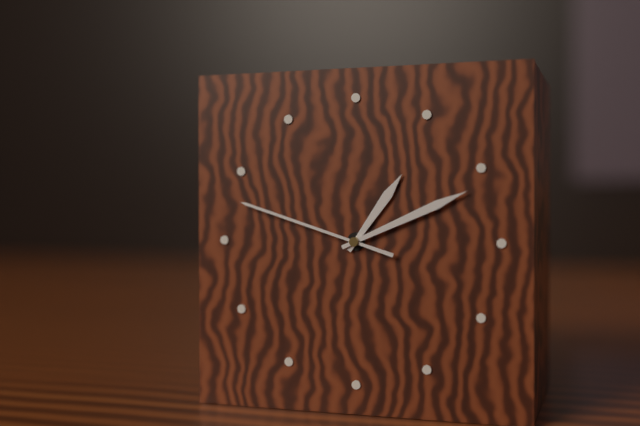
1:11:48
